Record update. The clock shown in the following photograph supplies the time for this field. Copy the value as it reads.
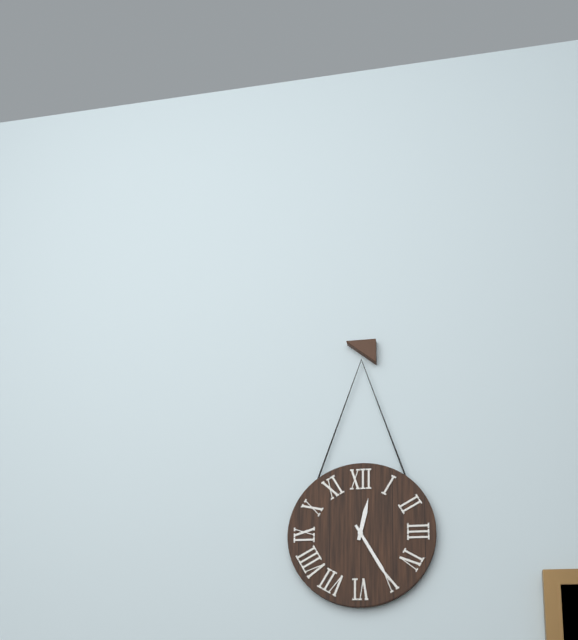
12:25
